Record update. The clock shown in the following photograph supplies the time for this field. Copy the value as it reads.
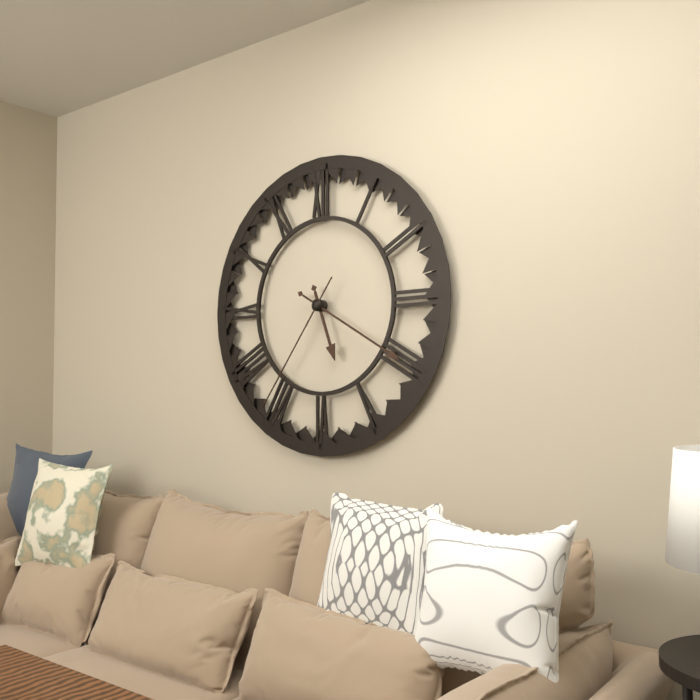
5:20:36
